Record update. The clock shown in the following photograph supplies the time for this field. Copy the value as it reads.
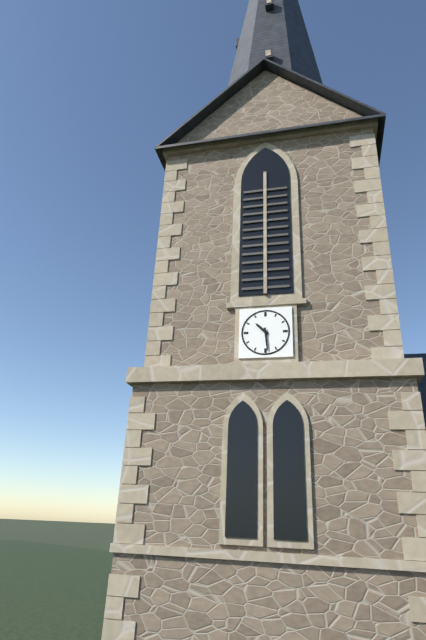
10:29
